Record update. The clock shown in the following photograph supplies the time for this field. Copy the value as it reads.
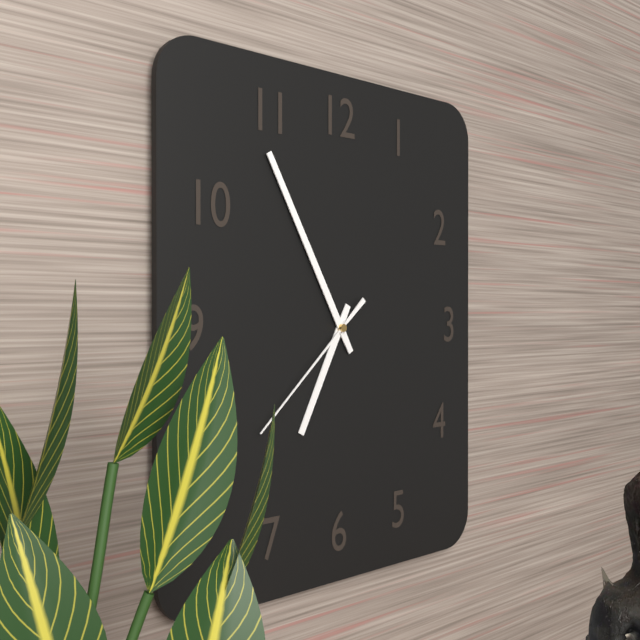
6:55:38
